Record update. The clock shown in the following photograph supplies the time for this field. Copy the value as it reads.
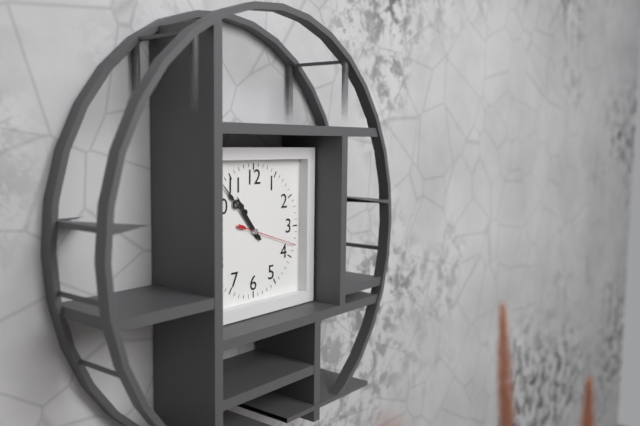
10:53:18
